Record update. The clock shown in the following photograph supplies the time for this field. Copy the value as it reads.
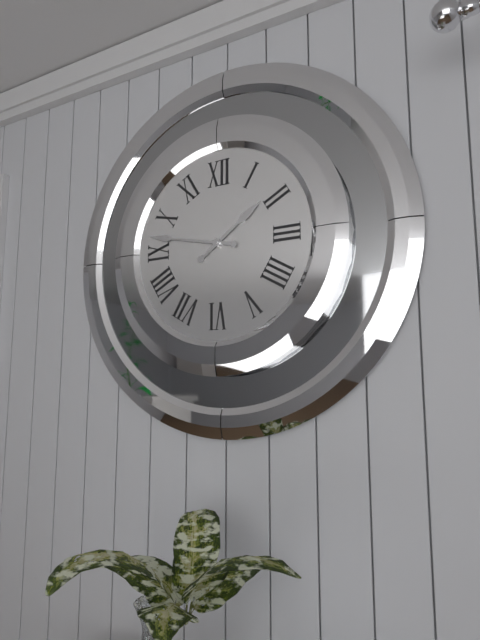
1:47
